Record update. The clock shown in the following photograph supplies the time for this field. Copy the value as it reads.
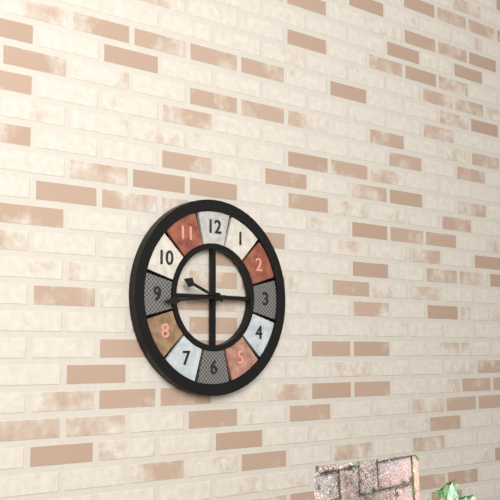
9:44
